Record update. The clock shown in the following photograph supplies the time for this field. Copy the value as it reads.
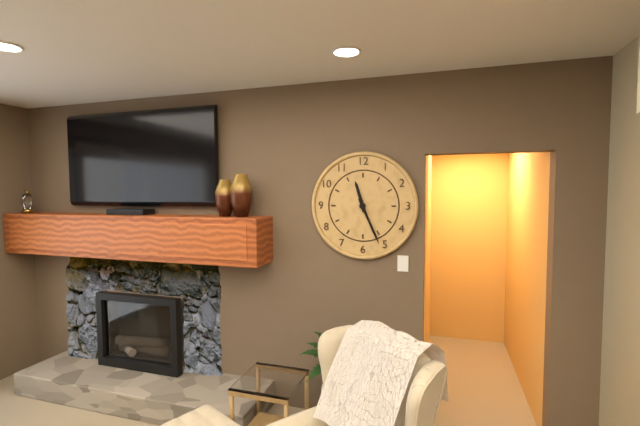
11:26
